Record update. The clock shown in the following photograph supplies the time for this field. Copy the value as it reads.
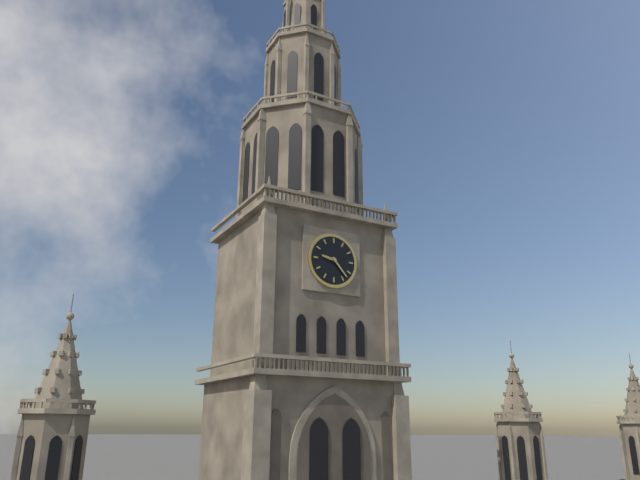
9:23
